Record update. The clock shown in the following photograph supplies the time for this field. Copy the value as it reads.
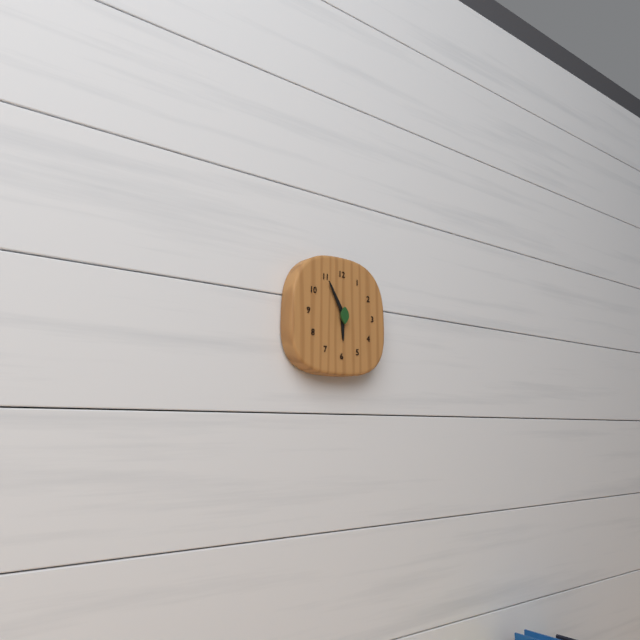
5:55
